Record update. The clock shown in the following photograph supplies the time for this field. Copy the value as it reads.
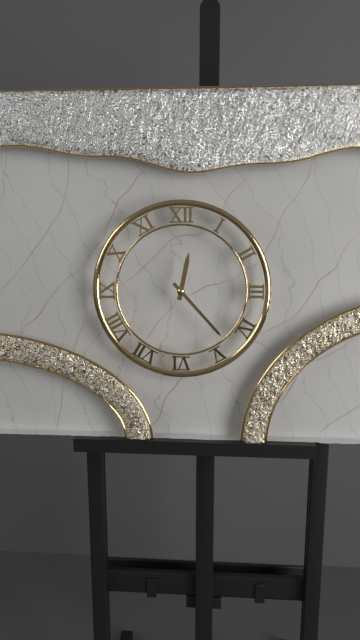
12:23
